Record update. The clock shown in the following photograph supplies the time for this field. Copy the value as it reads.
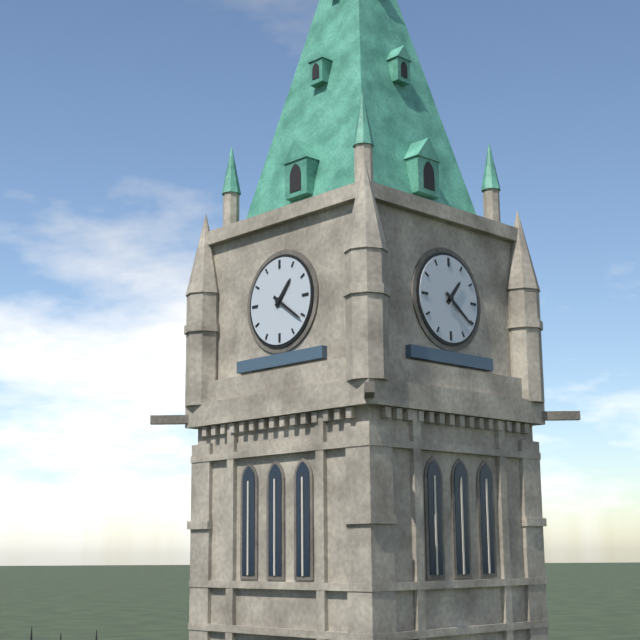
1:21
